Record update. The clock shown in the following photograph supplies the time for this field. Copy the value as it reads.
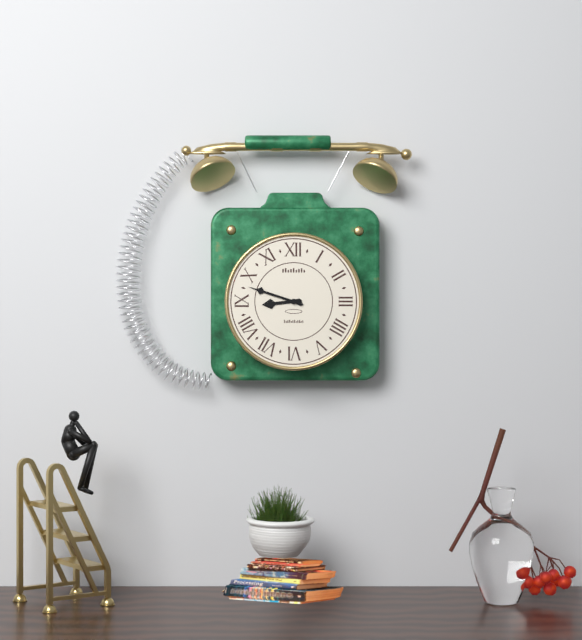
8:48
